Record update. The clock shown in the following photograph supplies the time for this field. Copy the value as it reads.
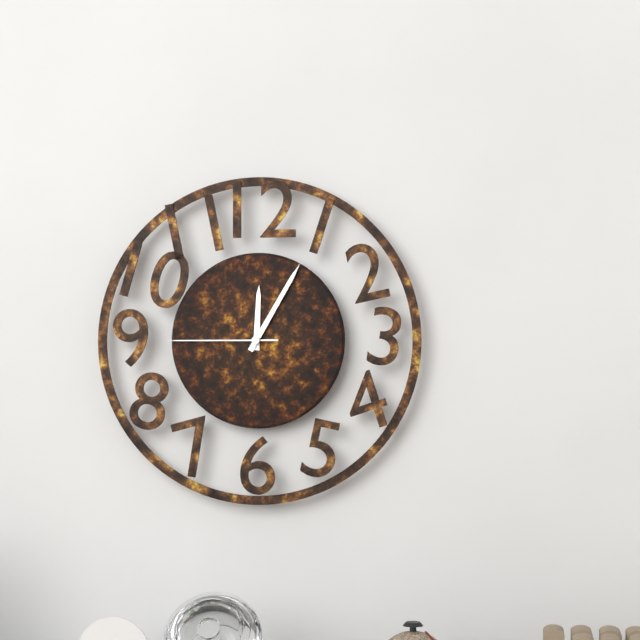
12:05:45
